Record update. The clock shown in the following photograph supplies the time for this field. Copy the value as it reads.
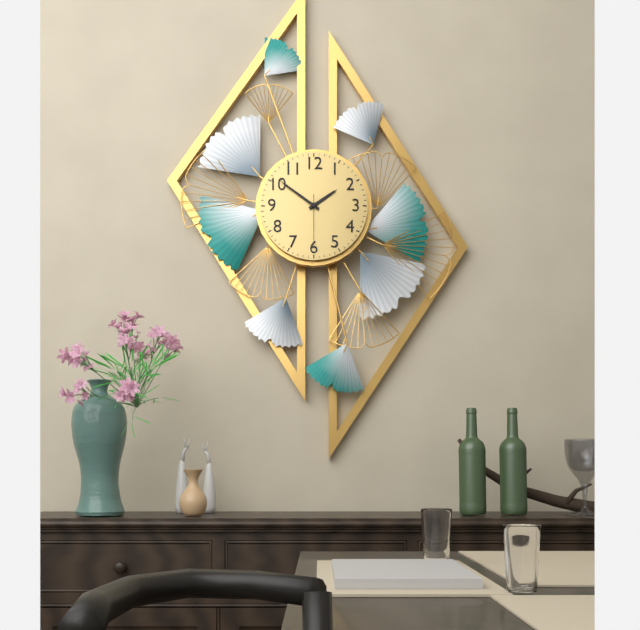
1:51:30
